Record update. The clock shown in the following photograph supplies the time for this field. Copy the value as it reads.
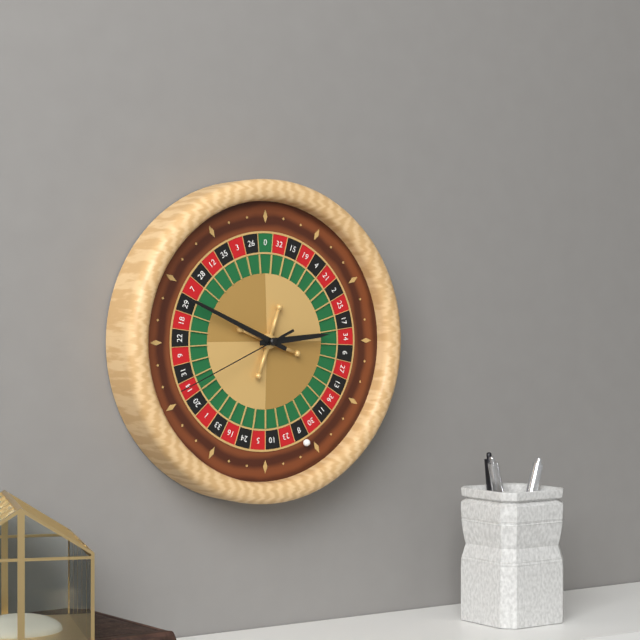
2:49:41
